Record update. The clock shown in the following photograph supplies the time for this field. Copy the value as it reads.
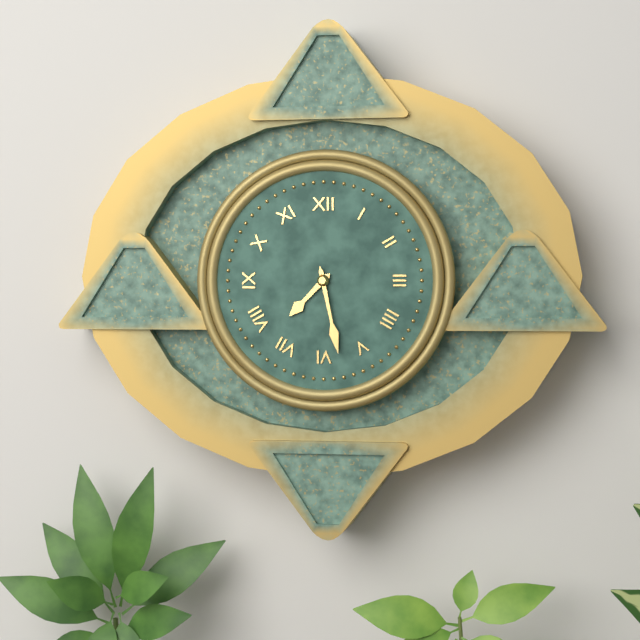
7:28
